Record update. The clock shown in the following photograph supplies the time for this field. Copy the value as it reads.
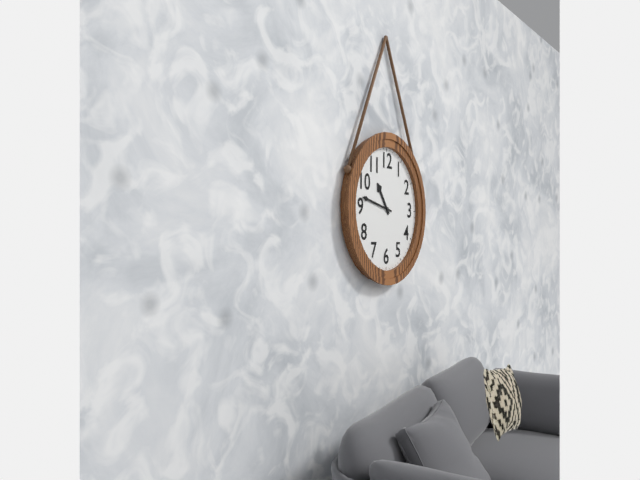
10:47
